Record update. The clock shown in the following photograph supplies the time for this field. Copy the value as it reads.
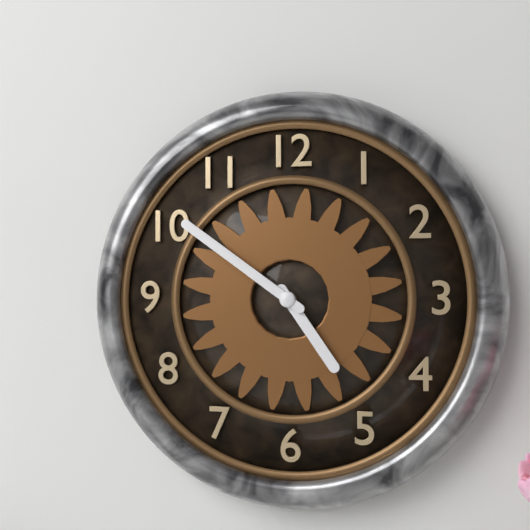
4:51
